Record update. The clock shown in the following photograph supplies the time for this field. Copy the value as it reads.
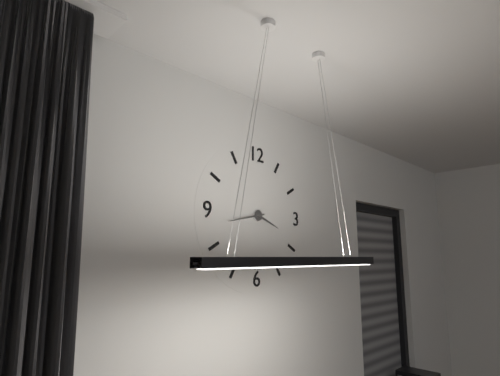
3:43
